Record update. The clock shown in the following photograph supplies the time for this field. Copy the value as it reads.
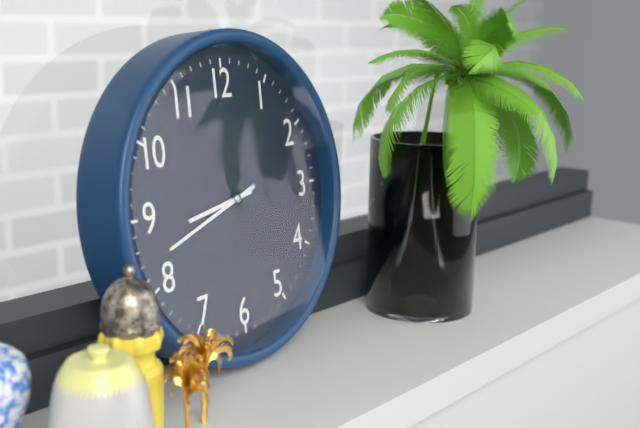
8:42
